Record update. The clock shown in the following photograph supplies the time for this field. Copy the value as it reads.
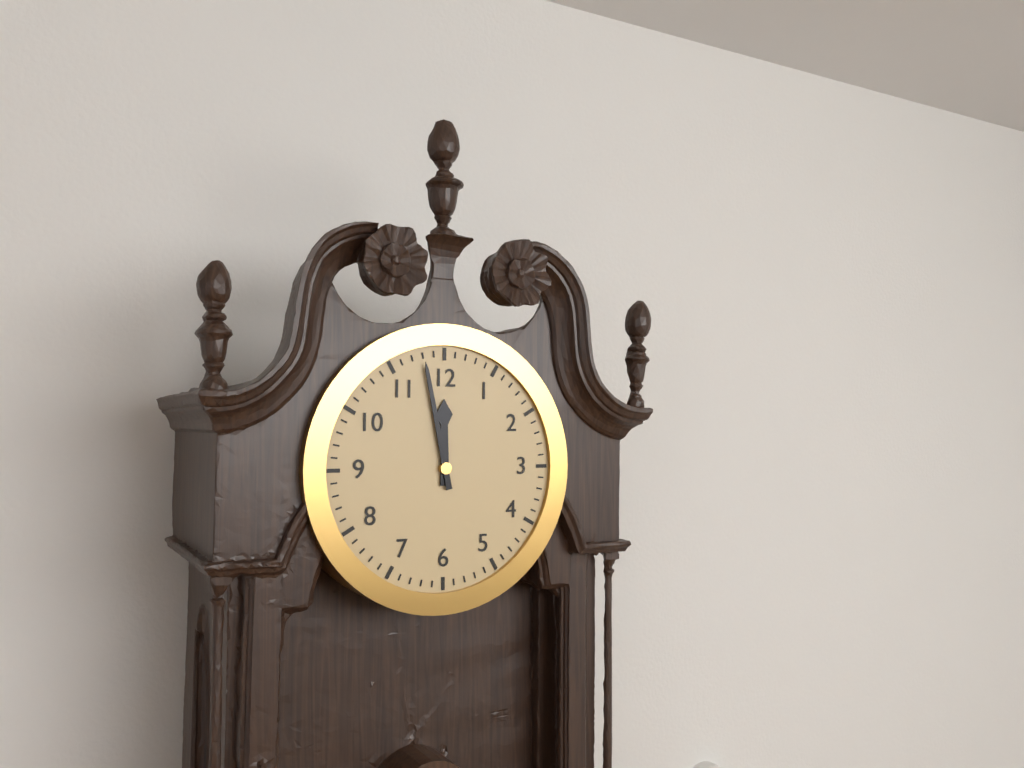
11:58
